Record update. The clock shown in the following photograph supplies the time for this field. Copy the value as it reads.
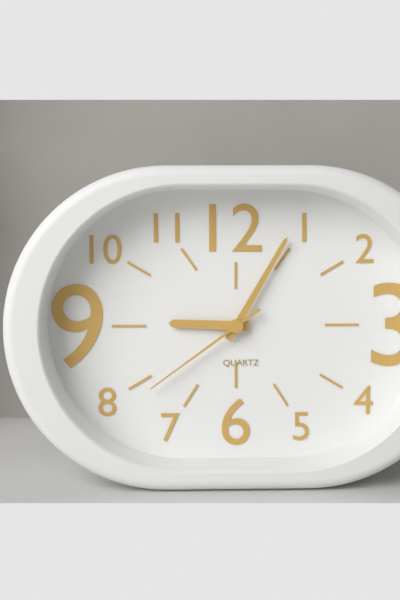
9:05:39
